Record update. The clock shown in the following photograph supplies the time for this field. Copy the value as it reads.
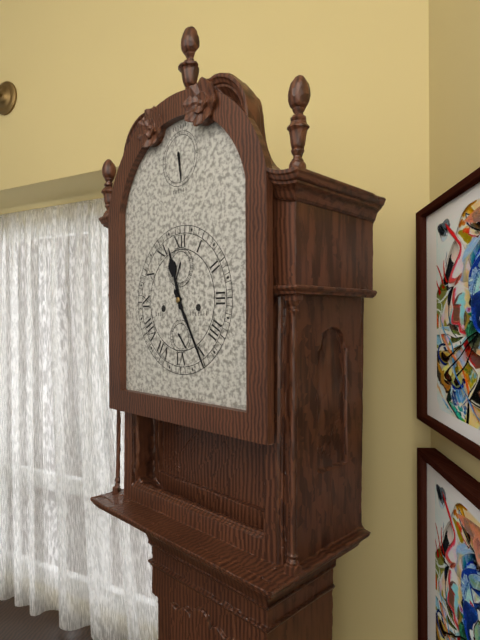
11:25
